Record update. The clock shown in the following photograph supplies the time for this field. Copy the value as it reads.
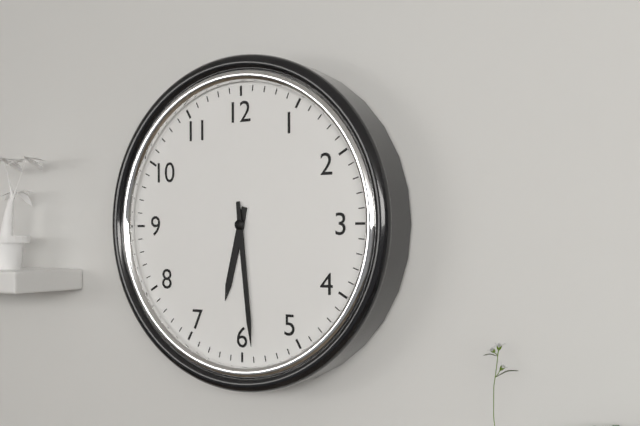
6:29
